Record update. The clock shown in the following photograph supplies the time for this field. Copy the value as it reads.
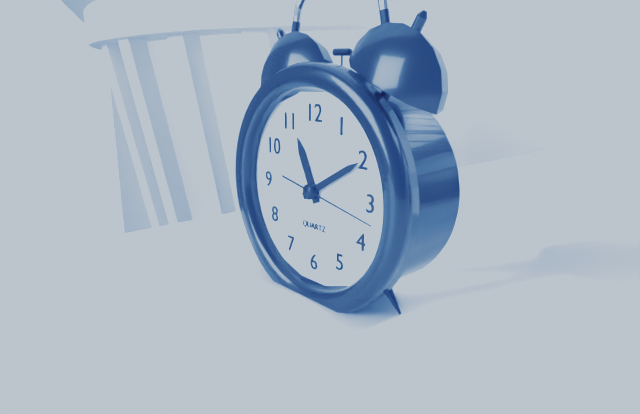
11:10:17
